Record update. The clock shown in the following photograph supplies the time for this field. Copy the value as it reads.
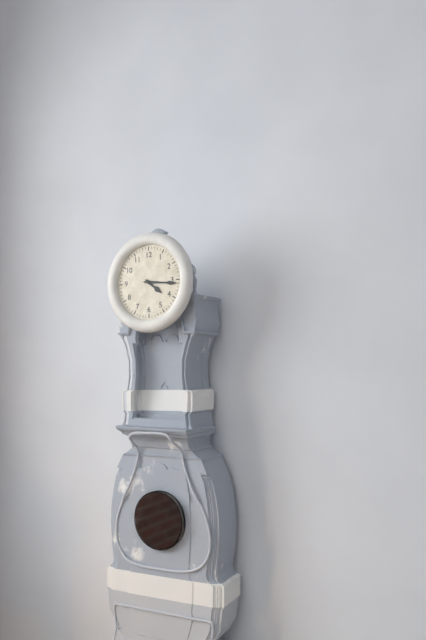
4:16
